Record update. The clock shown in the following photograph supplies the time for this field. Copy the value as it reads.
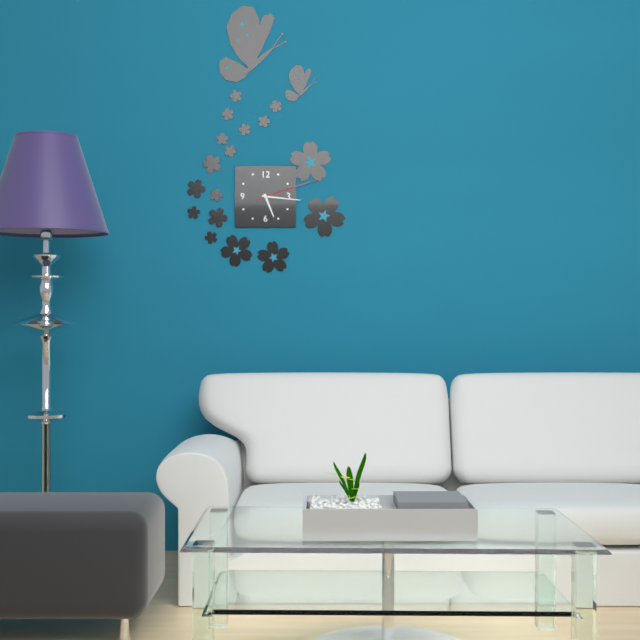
5:16:12
